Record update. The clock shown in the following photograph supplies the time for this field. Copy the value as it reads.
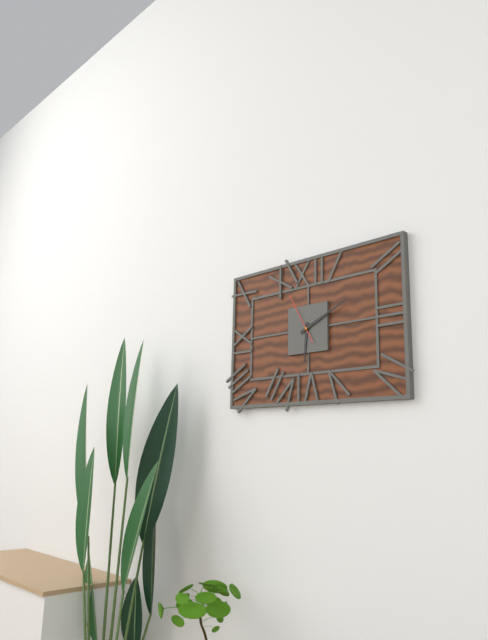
6:11:55
